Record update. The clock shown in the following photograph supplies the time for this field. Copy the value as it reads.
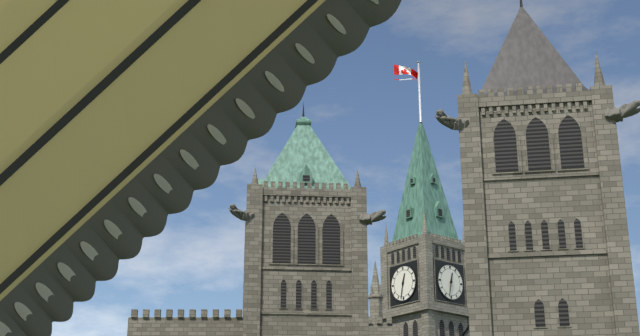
12:32
